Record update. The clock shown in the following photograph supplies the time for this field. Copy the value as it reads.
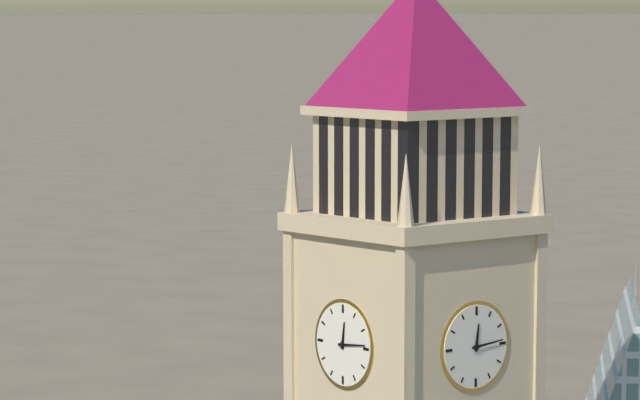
12:14
